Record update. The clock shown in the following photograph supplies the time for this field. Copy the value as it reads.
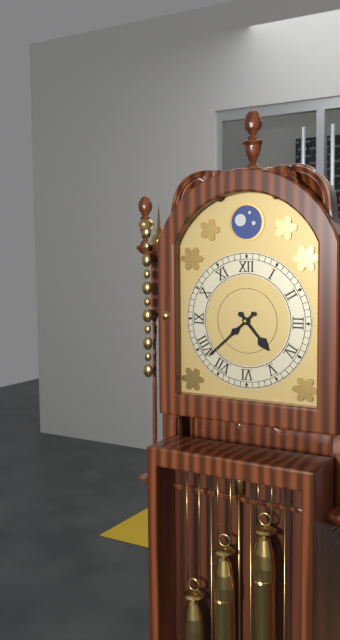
4:38
